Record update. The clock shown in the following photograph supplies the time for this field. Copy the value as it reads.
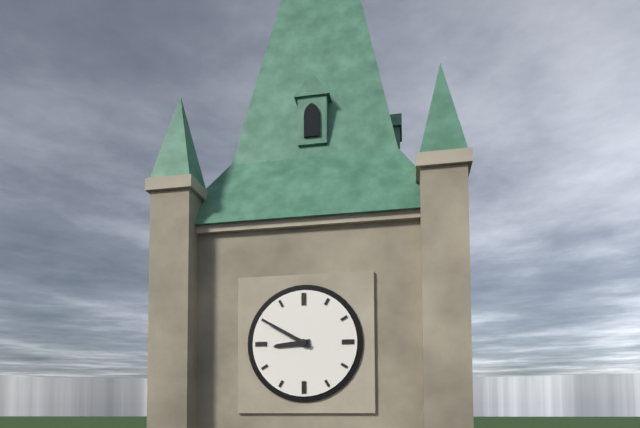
8:50
